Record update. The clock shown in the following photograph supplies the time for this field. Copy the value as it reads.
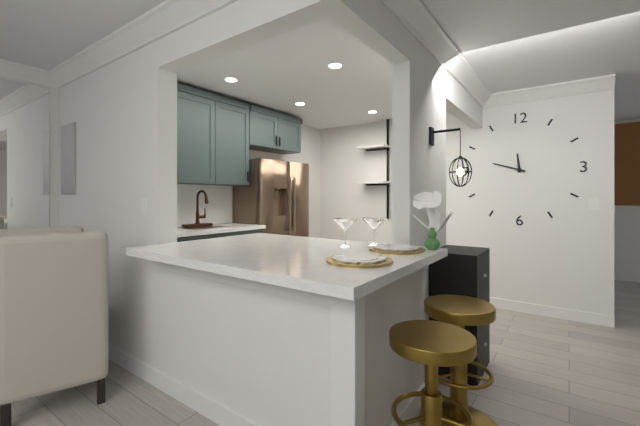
11:48
